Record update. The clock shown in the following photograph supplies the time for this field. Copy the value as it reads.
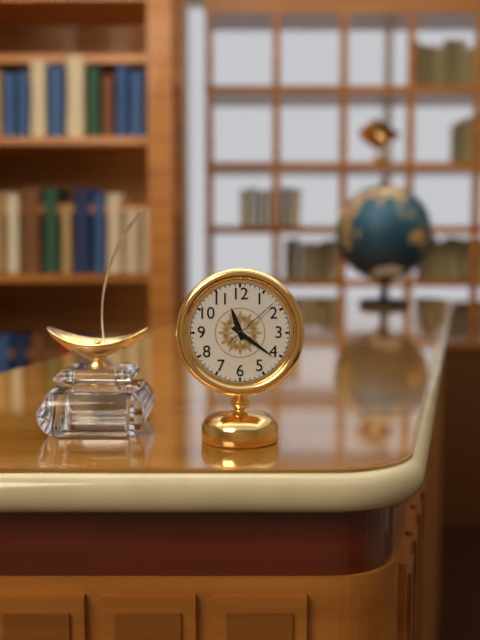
11:21:08
